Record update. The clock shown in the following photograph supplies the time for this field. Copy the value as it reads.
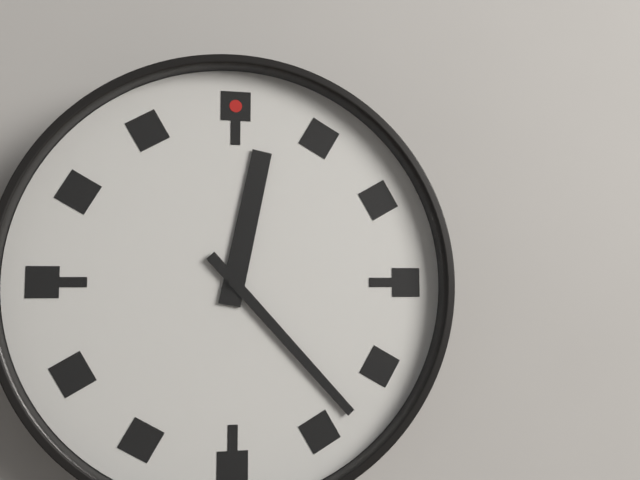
12:23
